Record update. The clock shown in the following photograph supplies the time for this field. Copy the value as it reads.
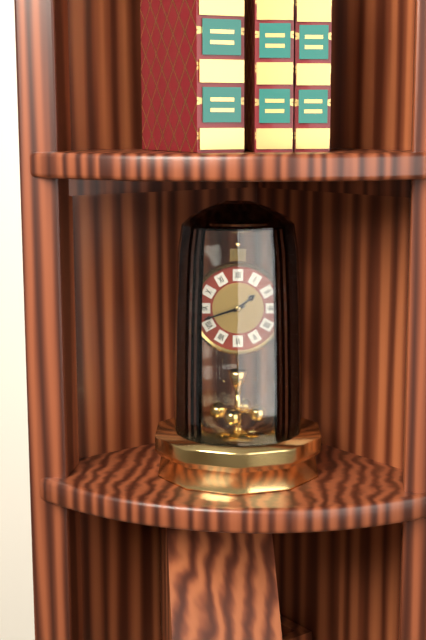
1:42
